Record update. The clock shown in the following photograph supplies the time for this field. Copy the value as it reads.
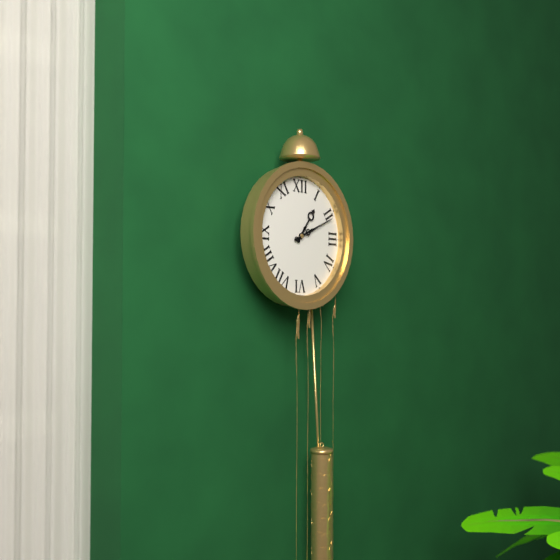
1:11
